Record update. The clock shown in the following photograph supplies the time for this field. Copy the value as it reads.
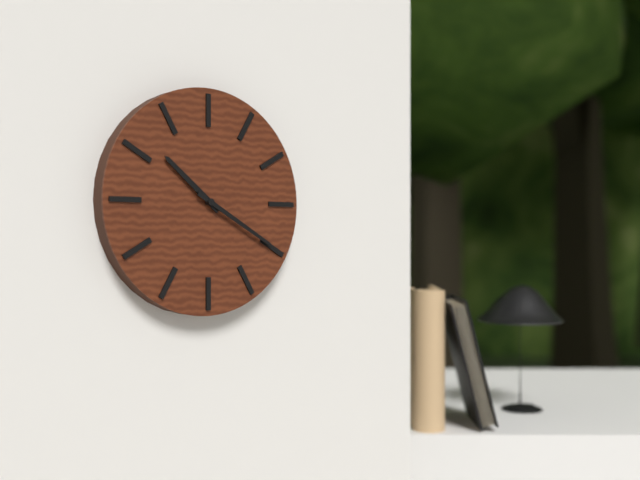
10:20
